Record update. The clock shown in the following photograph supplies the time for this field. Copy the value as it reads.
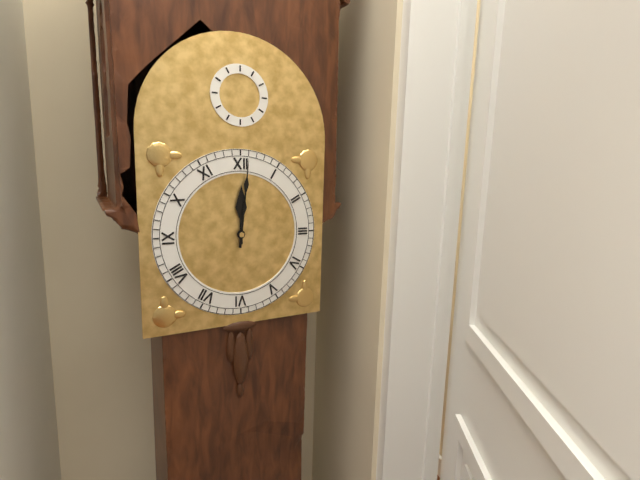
12:01
